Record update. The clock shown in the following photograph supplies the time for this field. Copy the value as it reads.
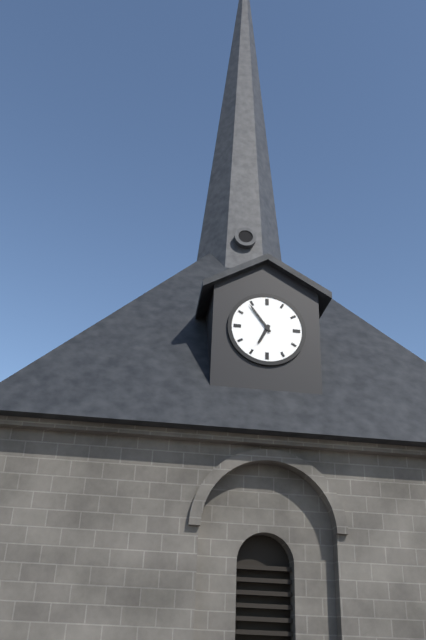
6:54
